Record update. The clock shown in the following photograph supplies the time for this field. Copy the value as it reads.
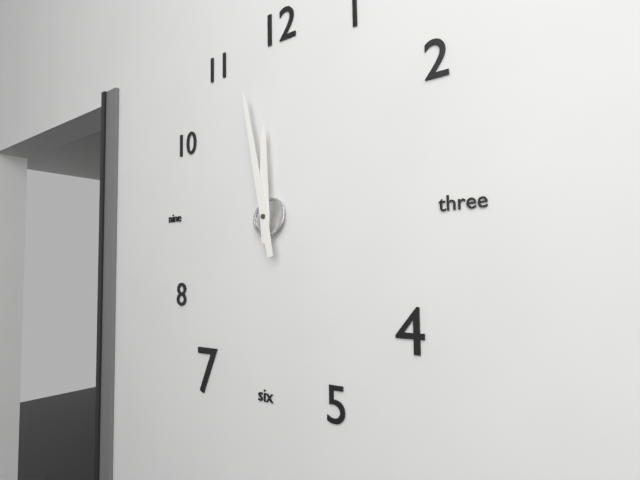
11:58
